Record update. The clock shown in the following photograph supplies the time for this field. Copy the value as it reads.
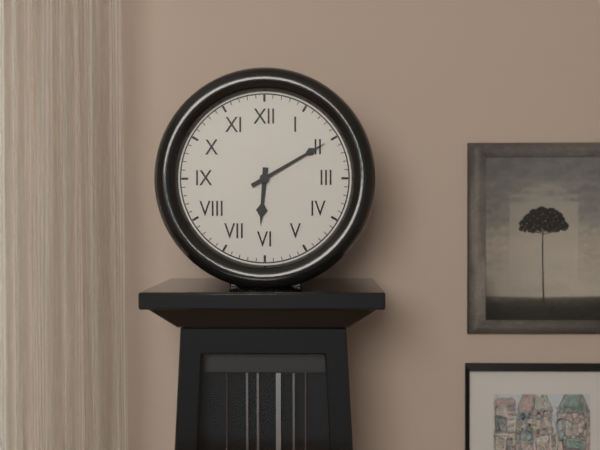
6:10
